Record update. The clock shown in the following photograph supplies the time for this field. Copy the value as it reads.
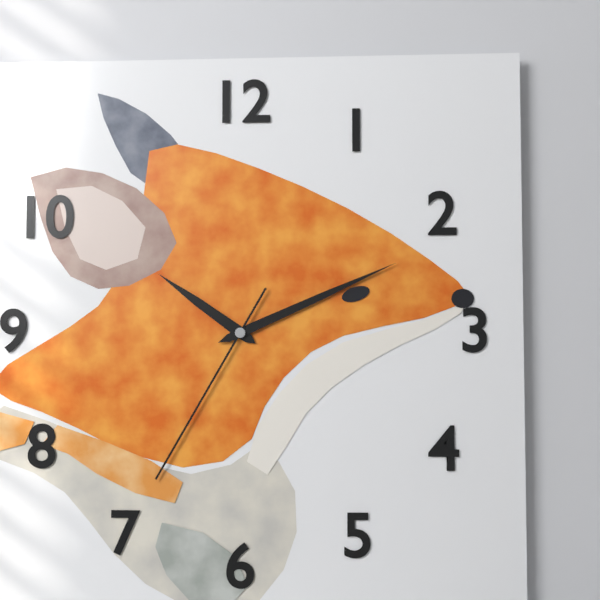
10:11:35
